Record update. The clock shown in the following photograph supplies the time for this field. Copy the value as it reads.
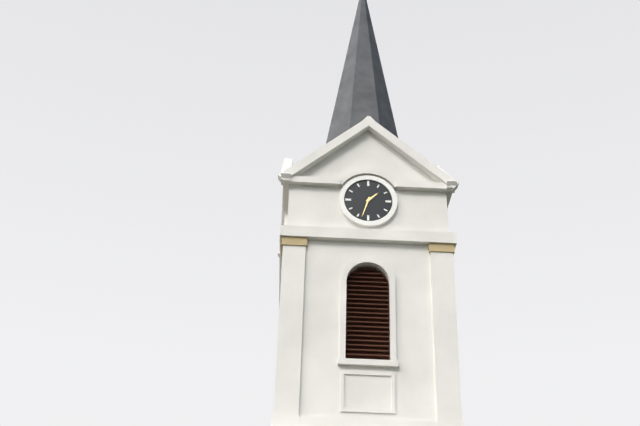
1:33
